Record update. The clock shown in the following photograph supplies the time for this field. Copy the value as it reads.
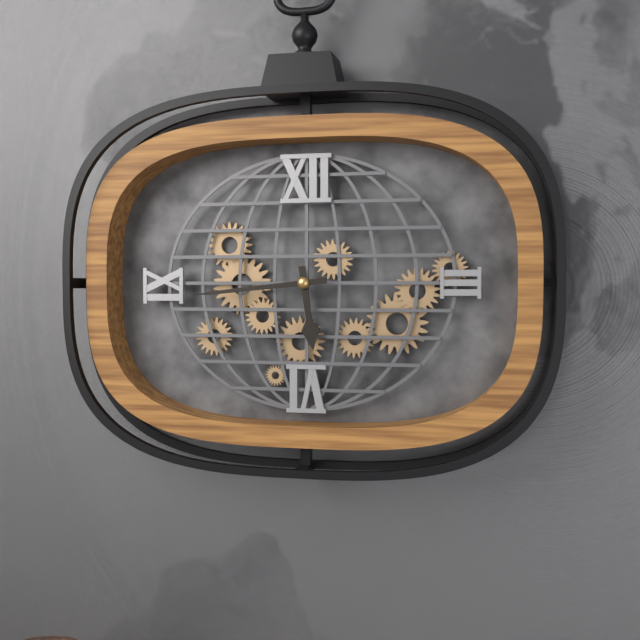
5:44
